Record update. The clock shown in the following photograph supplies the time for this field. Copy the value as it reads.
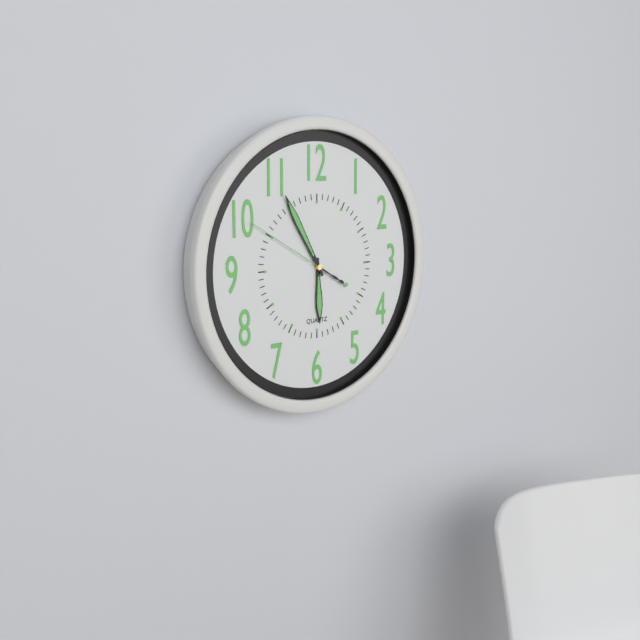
5:55:50
